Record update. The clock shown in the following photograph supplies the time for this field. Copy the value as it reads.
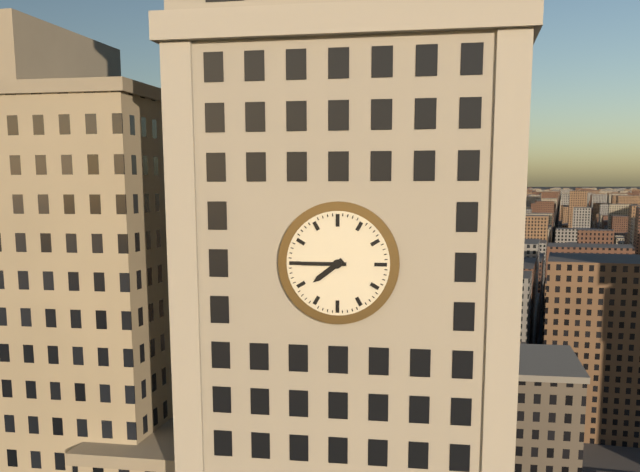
7:45
